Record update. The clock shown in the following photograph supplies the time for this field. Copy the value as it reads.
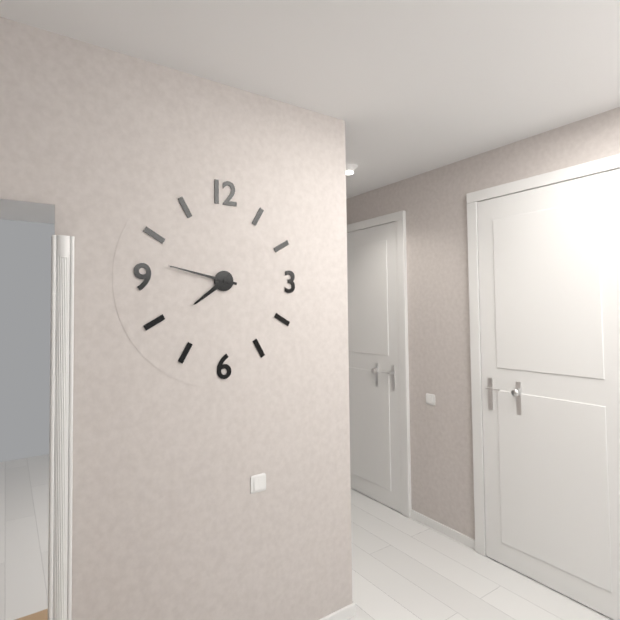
7:47
